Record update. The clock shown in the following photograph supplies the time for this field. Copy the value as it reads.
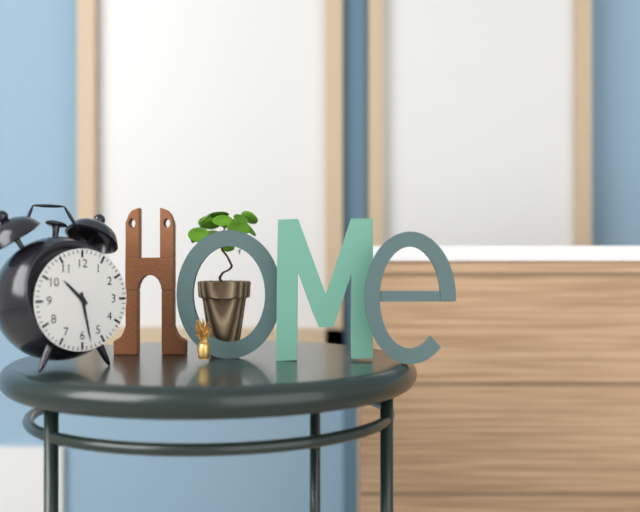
10:28
